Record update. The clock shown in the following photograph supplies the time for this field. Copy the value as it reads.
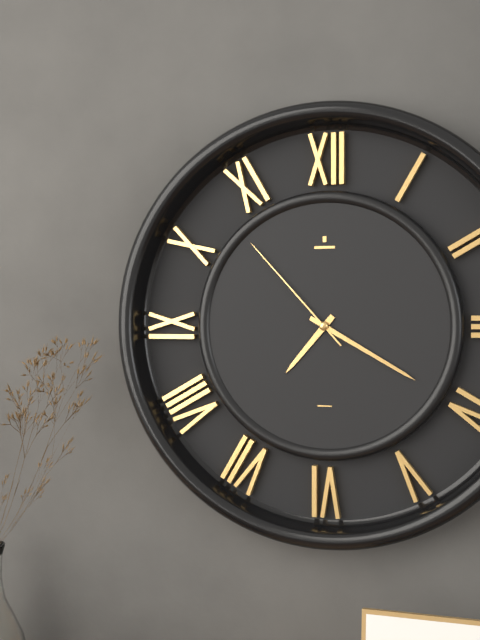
7:20:53
